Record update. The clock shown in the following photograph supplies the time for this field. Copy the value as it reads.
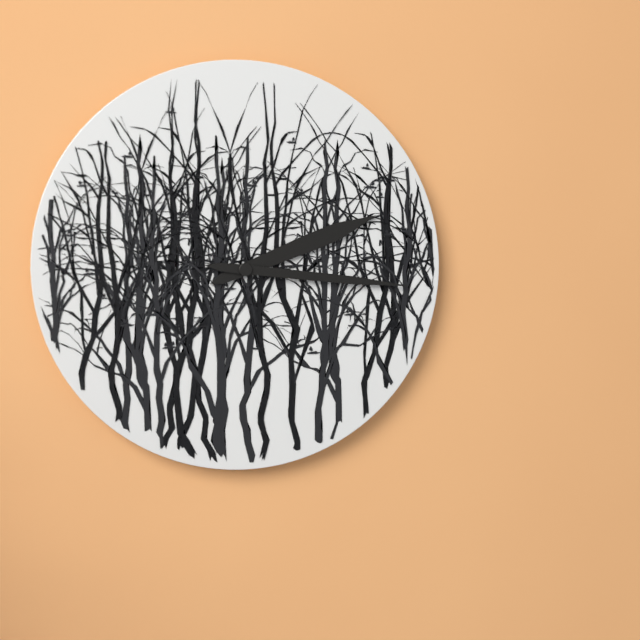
2:16
